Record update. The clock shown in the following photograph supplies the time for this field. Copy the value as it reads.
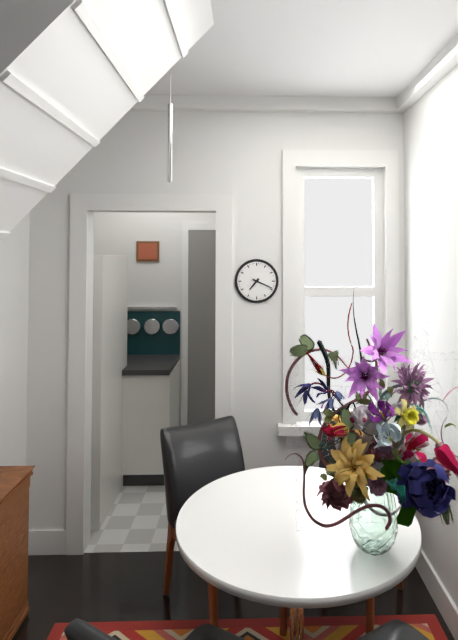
7:19
